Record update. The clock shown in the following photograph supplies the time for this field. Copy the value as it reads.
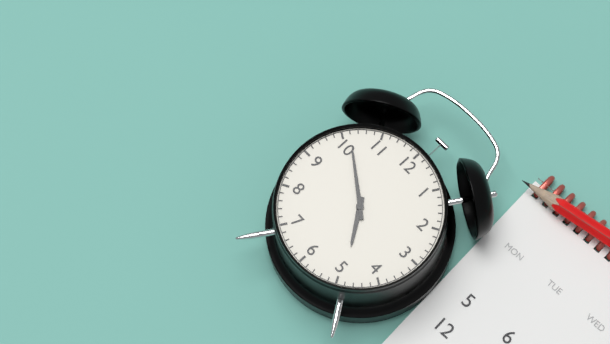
4:51
